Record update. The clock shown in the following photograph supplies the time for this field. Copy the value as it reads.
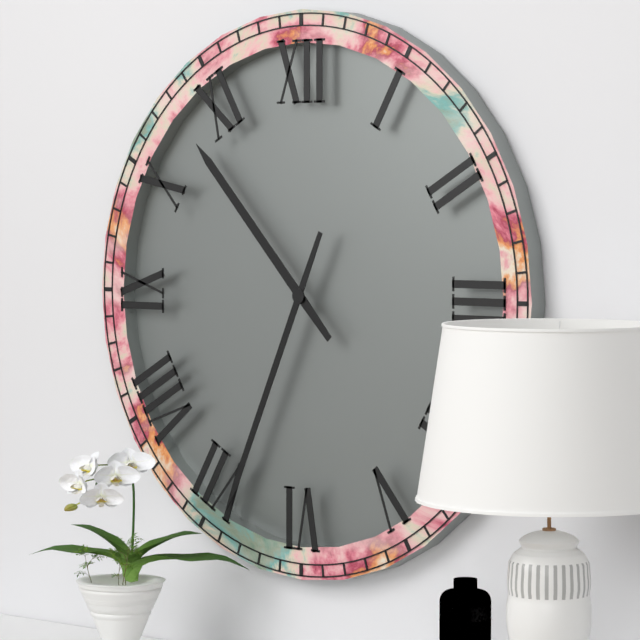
10:34
